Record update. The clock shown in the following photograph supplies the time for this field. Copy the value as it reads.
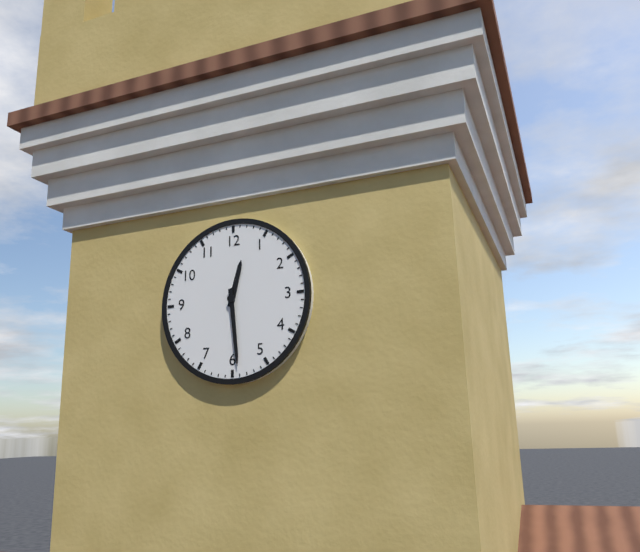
12:29
